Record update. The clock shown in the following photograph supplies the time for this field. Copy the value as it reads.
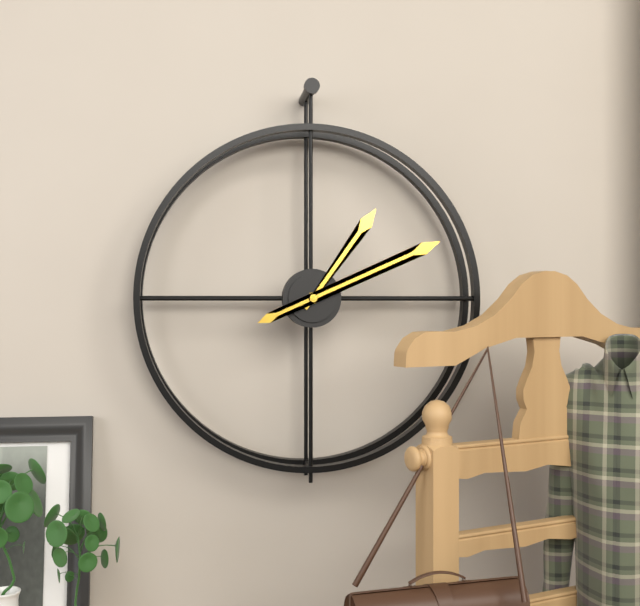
1:11
